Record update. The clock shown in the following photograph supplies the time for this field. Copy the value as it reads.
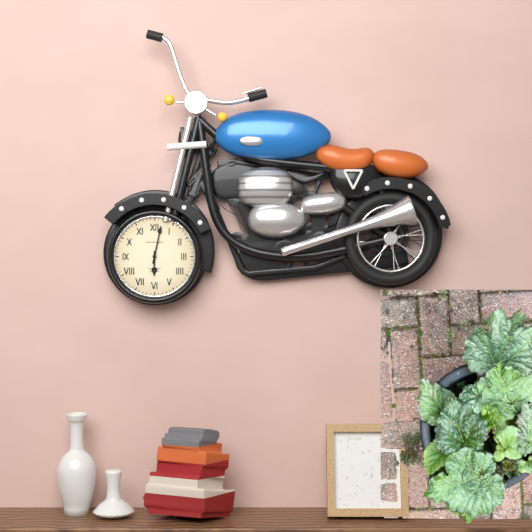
6:02
